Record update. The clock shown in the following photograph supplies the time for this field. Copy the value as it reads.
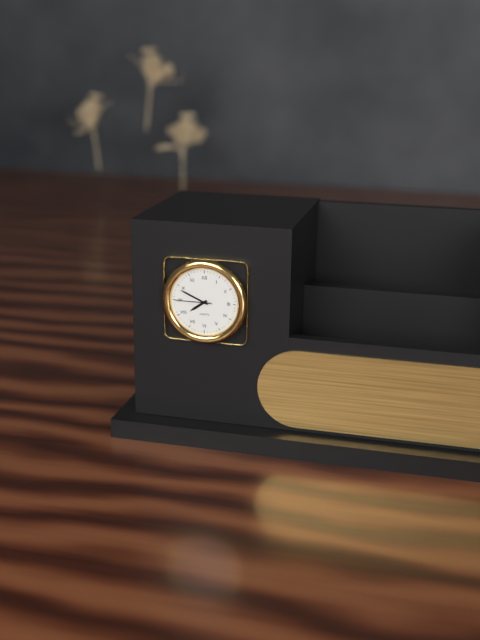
7:49
